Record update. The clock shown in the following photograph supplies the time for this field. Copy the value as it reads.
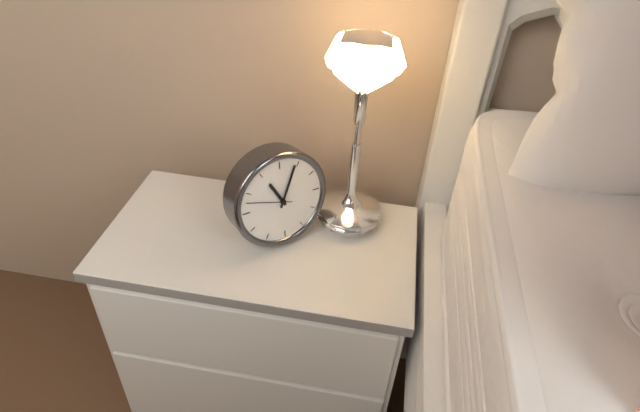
11:04
